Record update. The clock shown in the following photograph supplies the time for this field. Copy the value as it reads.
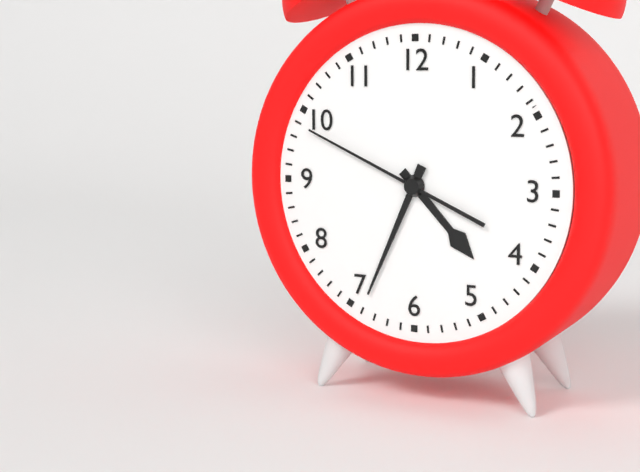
4:34:49
